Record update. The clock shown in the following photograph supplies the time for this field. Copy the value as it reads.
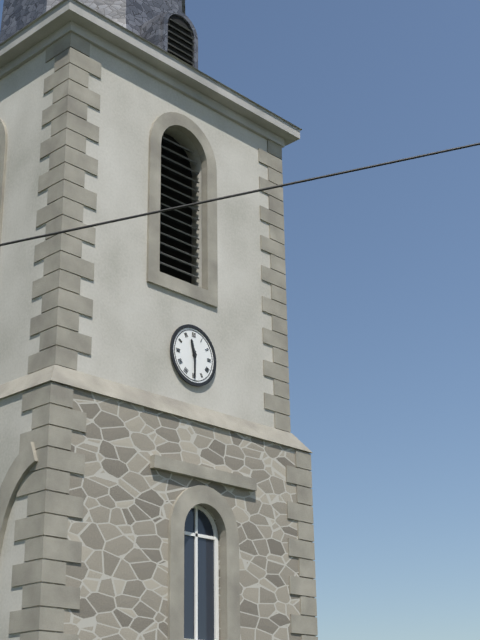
11:30
